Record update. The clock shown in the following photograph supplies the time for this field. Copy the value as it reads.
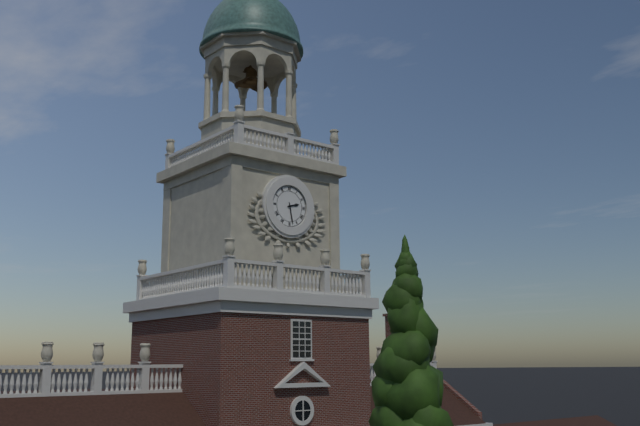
2:28
